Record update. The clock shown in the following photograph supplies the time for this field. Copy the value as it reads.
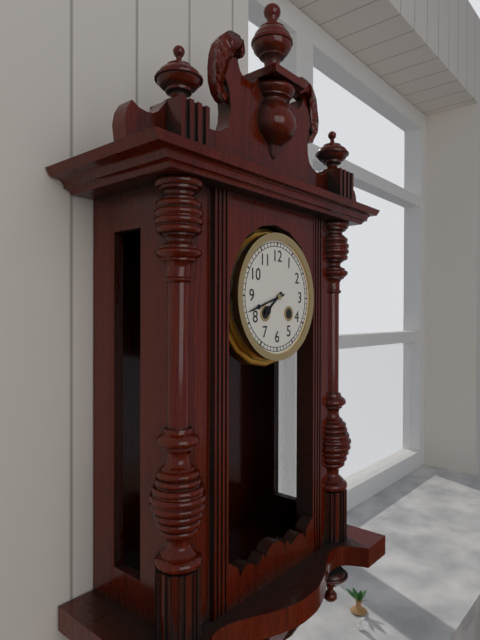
7:42
